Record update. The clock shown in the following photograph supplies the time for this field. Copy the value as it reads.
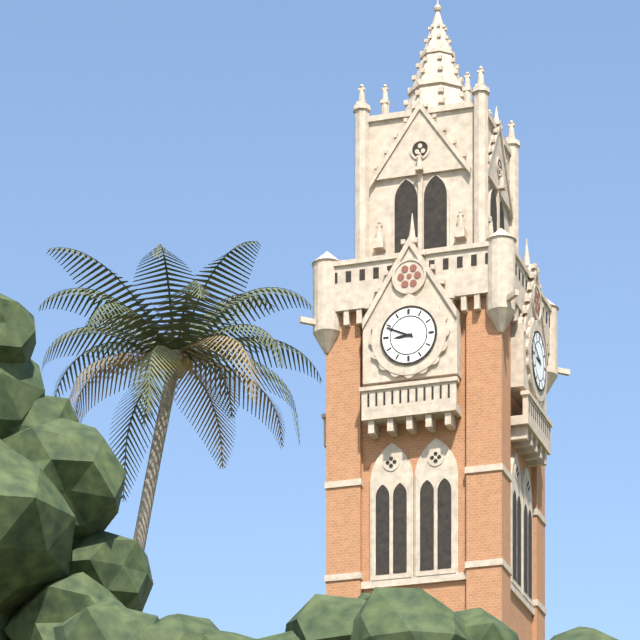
8:49
